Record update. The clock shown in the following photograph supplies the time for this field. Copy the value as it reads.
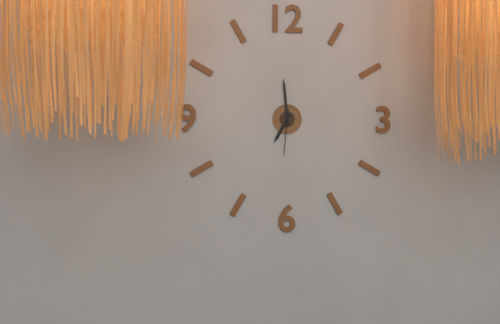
6:59
